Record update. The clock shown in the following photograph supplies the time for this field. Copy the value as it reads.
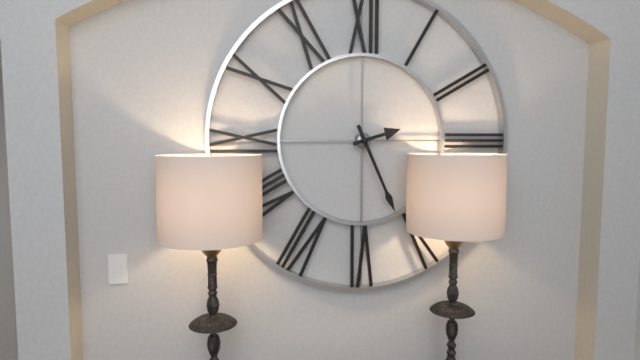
2:26
